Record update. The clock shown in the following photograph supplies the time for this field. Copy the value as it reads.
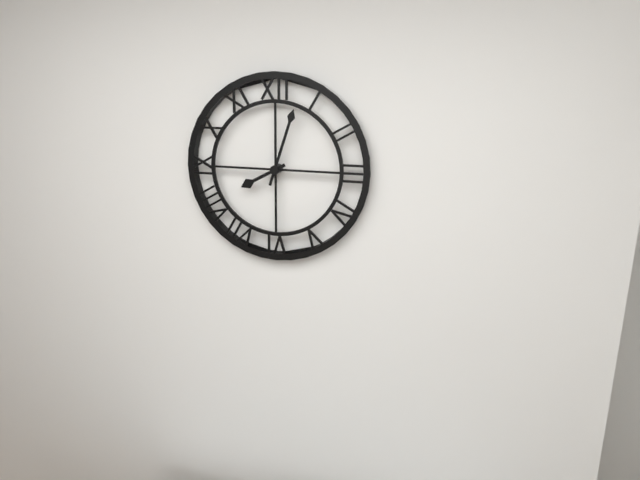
8:03
